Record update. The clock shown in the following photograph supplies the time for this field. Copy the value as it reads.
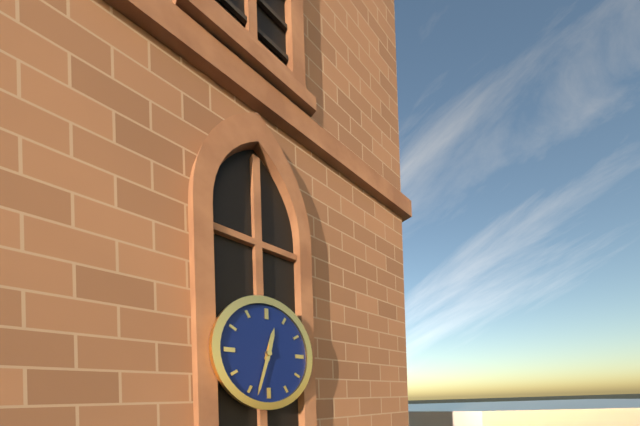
12:33
